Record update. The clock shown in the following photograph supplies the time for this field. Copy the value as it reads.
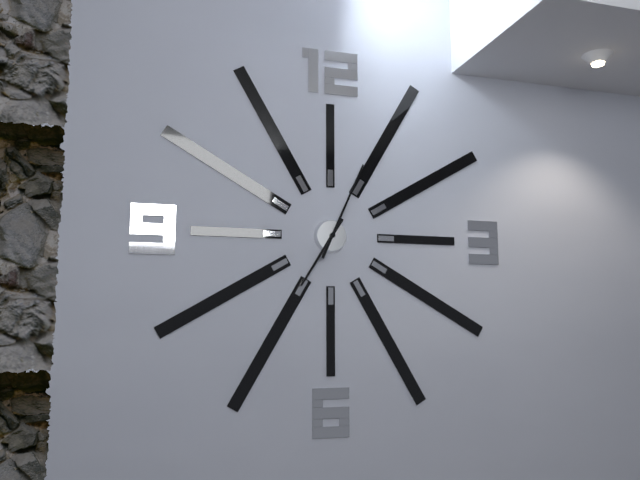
7:04
